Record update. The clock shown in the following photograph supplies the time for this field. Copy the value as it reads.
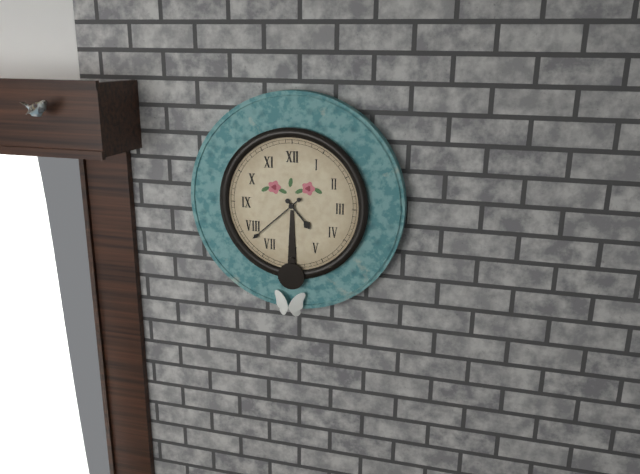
4:38
